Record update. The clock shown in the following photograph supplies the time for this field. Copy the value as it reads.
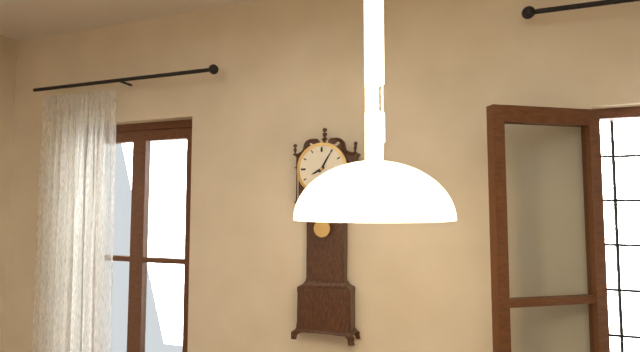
8:05
